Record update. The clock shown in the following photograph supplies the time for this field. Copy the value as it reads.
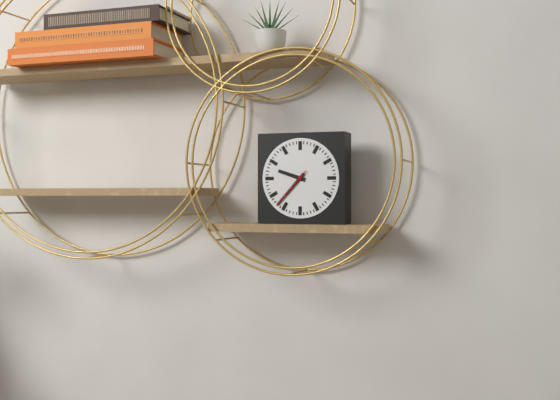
9:37
